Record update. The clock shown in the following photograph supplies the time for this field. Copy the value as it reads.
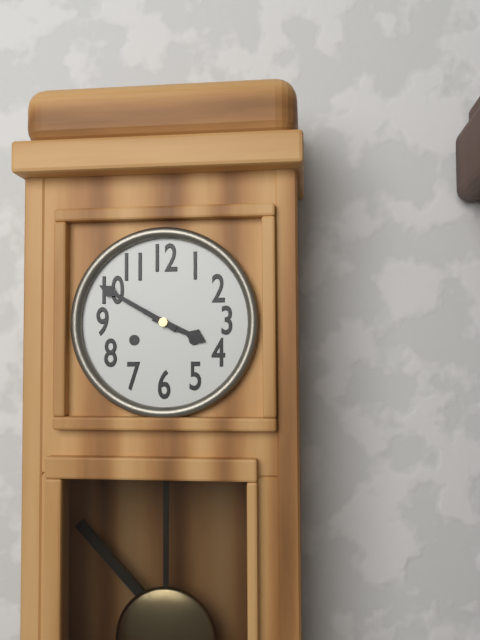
3:50
